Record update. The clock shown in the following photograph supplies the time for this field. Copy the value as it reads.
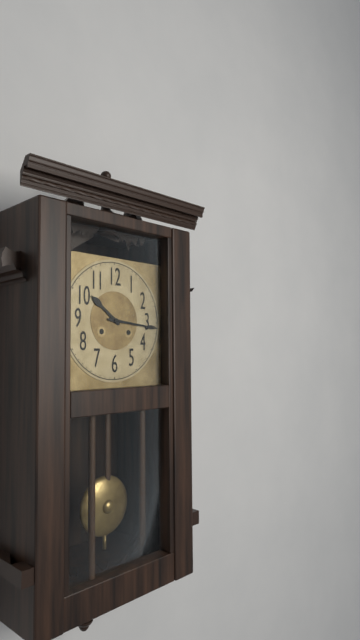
10:16
